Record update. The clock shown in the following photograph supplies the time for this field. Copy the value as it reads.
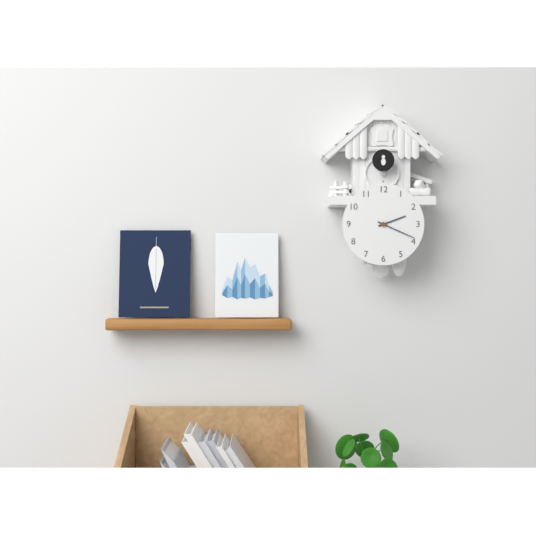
2:19
